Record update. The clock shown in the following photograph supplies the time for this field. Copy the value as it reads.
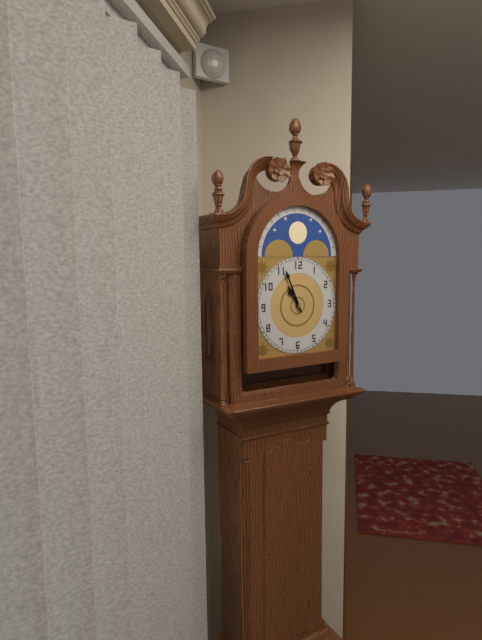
10:56
